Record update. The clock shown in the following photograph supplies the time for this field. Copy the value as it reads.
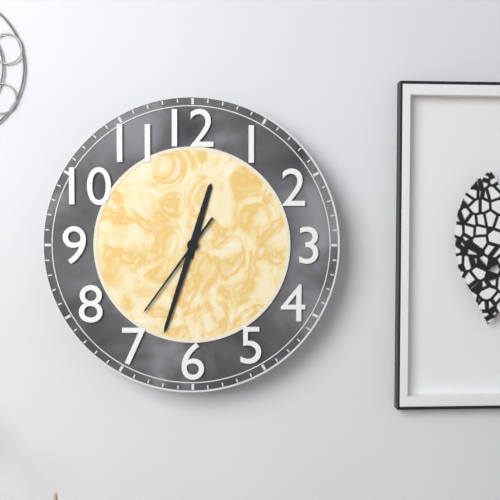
12:33:36
